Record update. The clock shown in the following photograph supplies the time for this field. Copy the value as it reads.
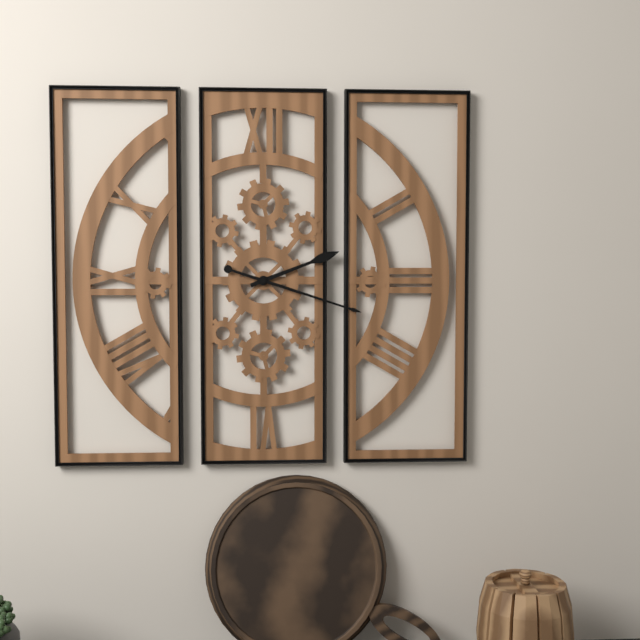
2:18
